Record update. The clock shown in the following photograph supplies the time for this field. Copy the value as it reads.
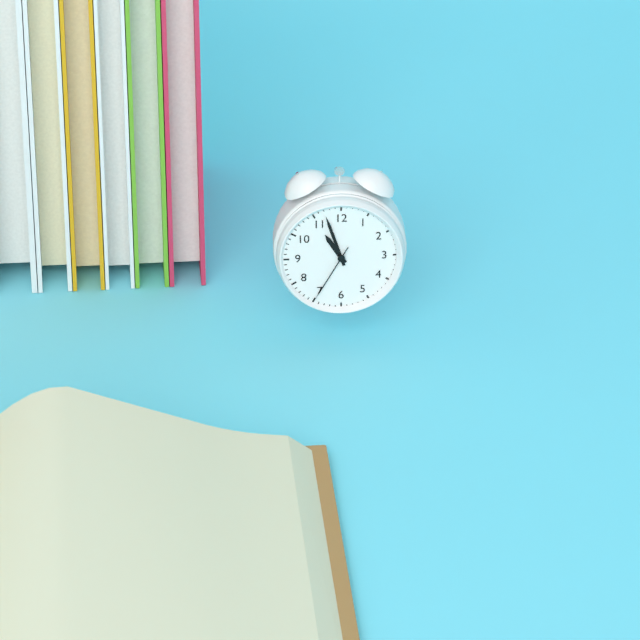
10:57:35
